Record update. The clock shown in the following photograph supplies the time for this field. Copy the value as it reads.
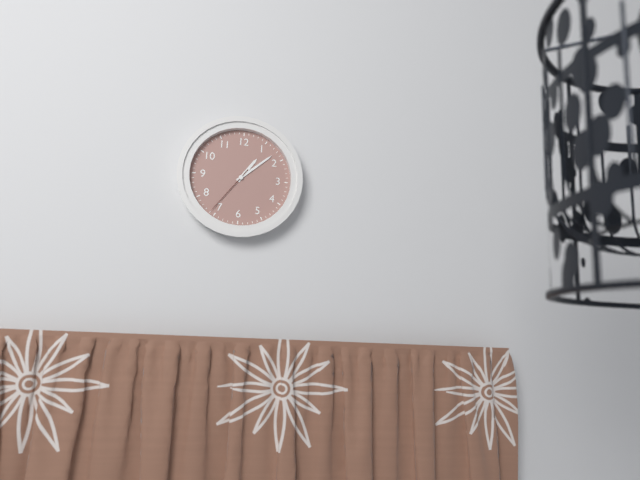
1:08:36
